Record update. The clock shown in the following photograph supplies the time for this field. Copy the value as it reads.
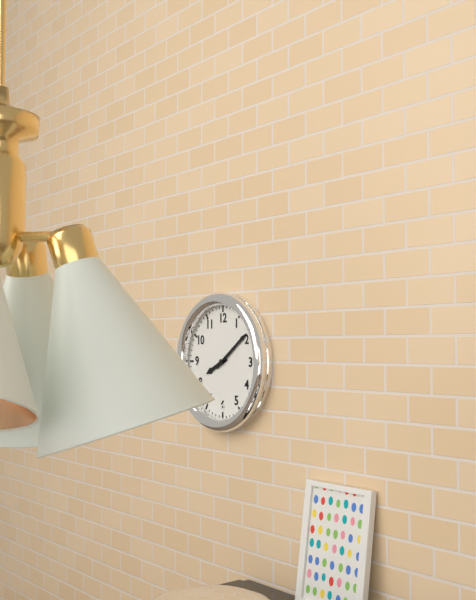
8:09
